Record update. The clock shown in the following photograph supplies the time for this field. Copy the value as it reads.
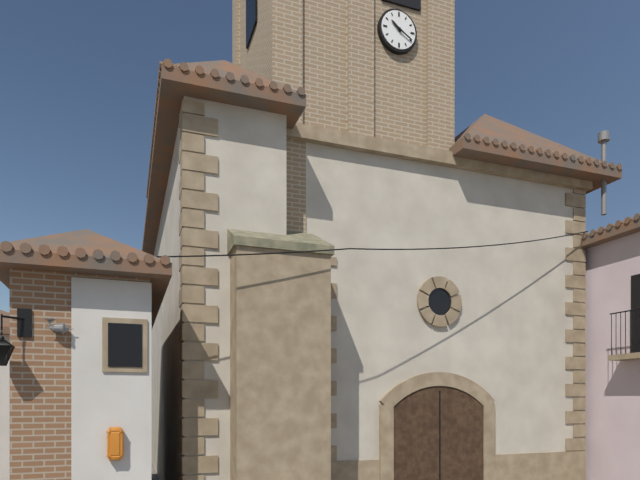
10:20
